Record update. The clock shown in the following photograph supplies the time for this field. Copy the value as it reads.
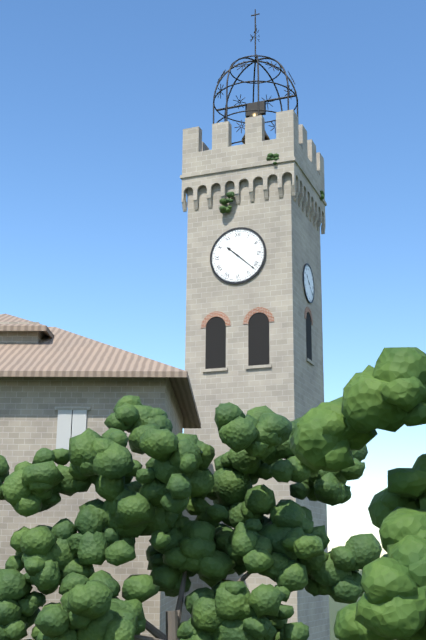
10:22
